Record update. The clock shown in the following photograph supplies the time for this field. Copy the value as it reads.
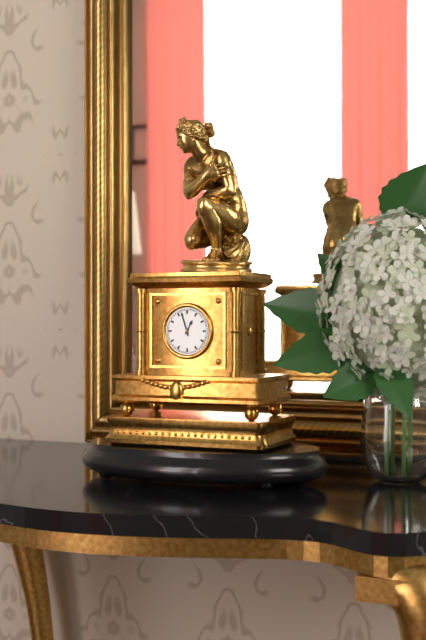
12:57
